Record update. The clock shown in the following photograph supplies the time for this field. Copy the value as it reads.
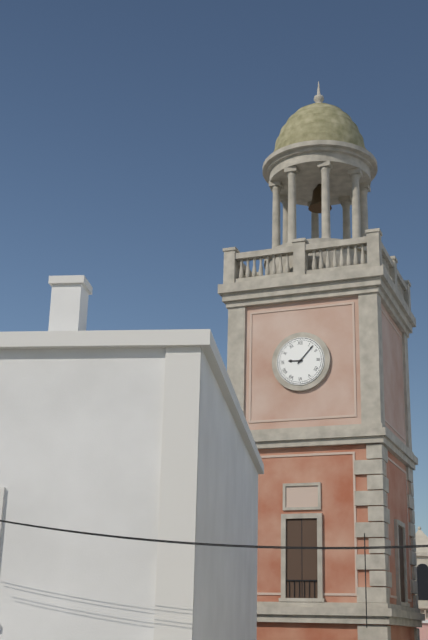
9:07
